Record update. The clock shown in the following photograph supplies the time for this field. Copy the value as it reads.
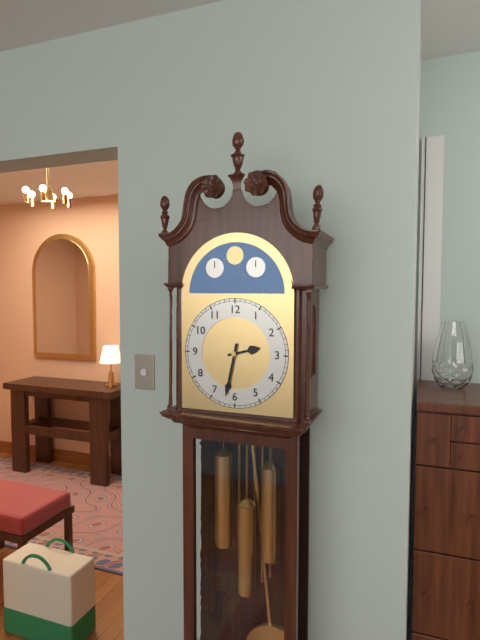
2:32
